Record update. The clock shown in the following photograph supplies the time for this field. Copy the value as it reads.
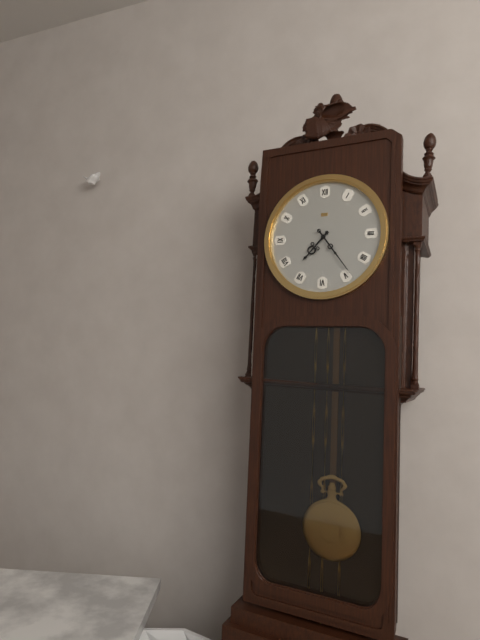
7:24
